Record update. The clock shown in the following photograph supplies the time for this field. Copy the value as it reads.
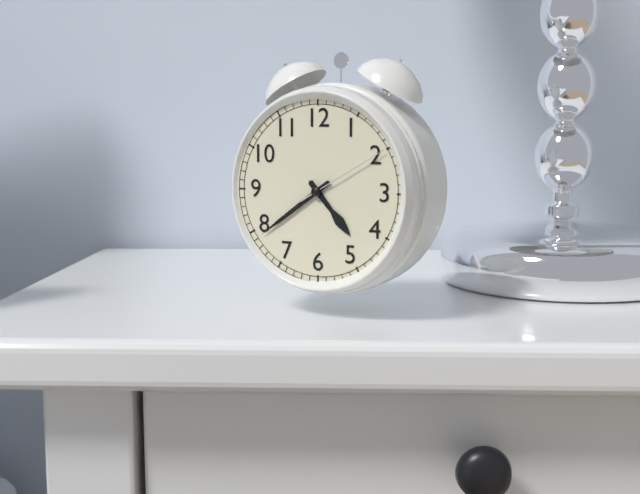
4:39:10
